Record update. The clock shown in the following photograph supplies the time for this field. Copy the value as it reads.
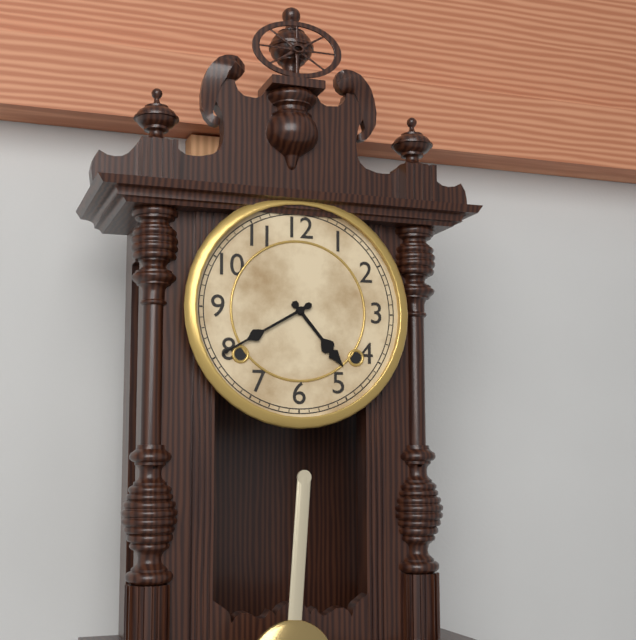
4:40
